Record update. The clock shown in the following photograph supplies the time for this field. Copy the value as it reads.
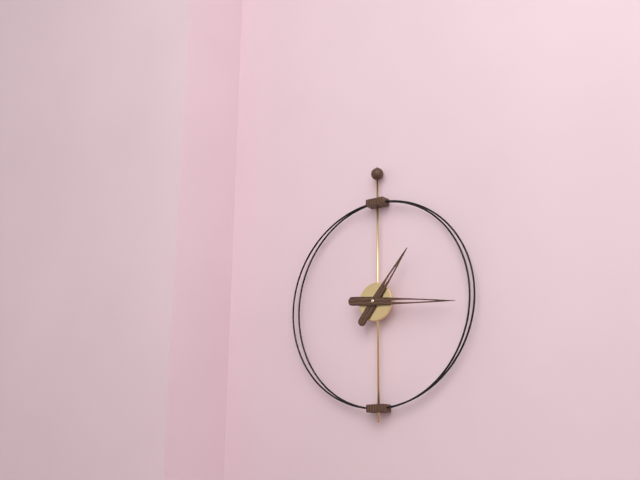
1:16
